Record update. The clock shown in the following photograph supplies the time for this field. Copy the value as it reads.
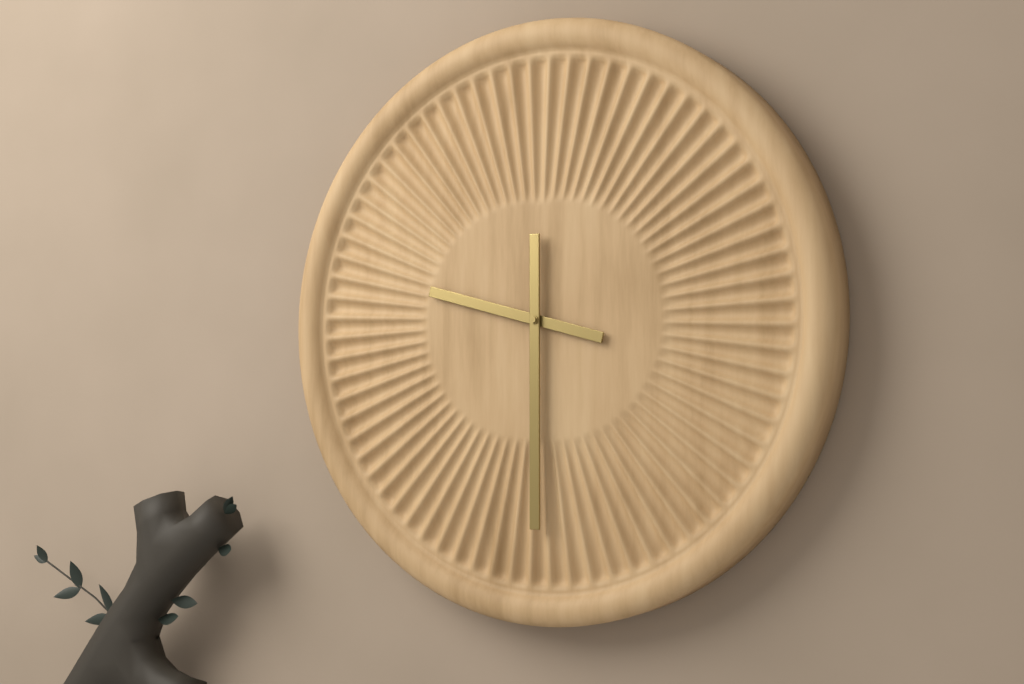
9:30
